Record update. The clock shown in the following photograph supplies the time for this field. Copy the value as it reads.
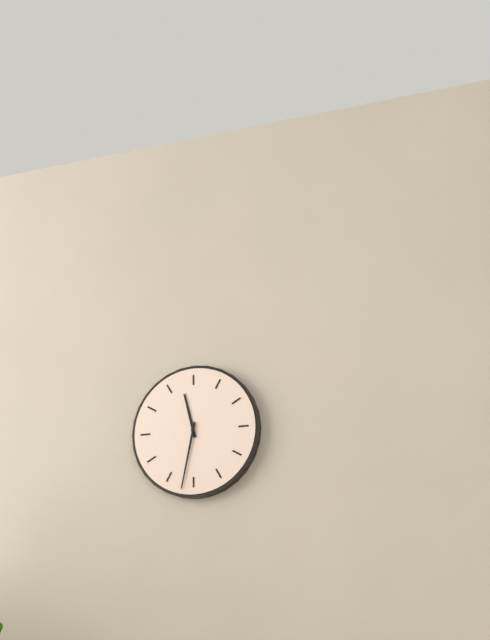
11:32
